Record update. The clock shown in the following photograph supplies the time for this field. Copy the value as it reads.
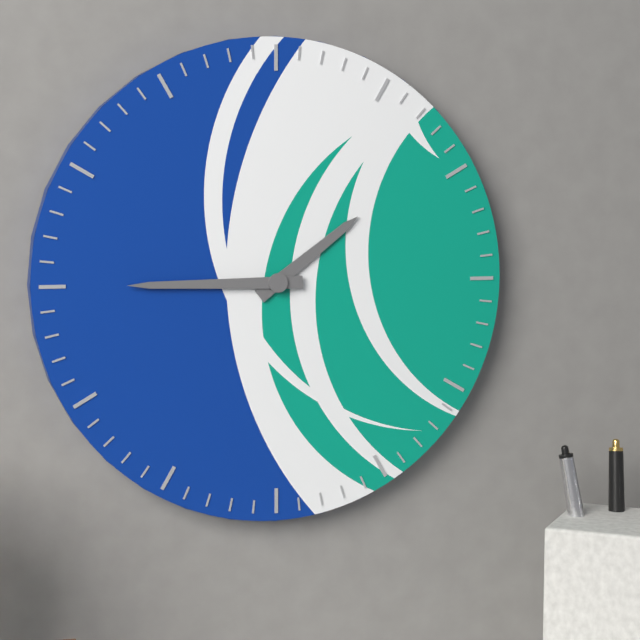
1:45
